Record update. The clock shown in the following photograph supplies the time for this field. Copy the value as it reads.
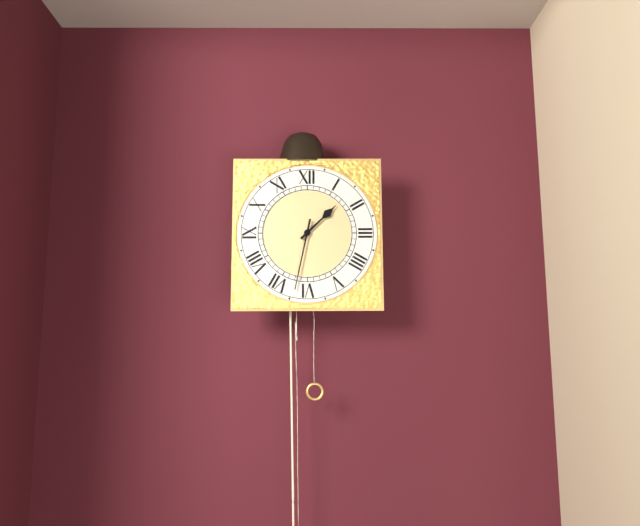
1:32
